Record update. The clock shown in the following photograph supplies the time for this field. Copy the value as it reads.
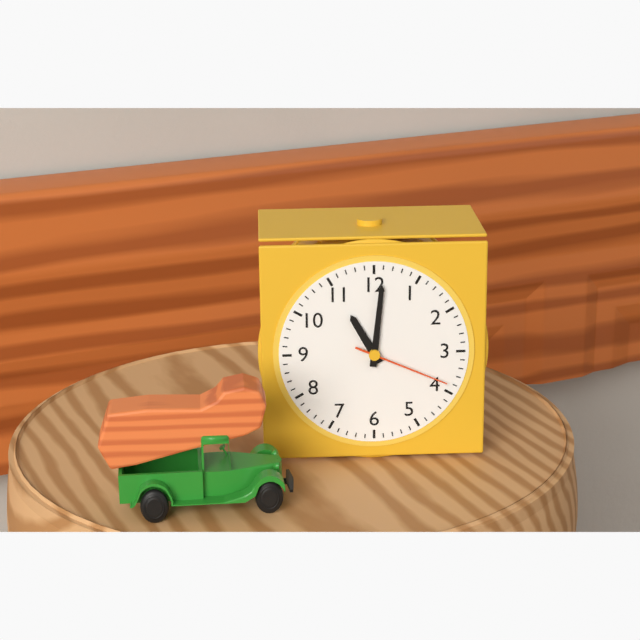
11:01:19
